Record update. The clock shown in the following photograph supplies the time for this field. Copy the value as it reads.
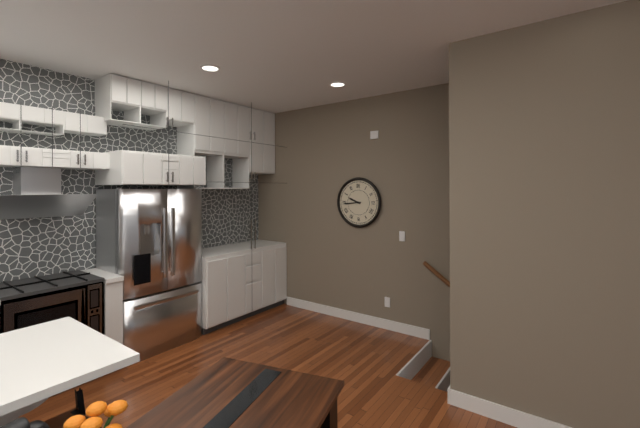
9:44
